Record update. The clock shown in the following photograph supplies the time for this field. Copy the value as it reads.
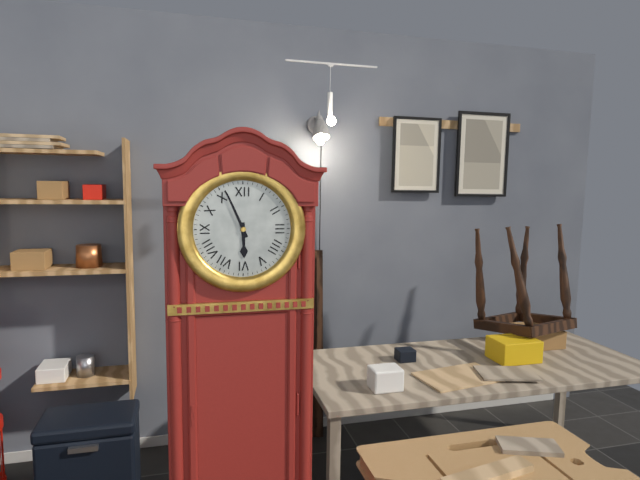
5:56
